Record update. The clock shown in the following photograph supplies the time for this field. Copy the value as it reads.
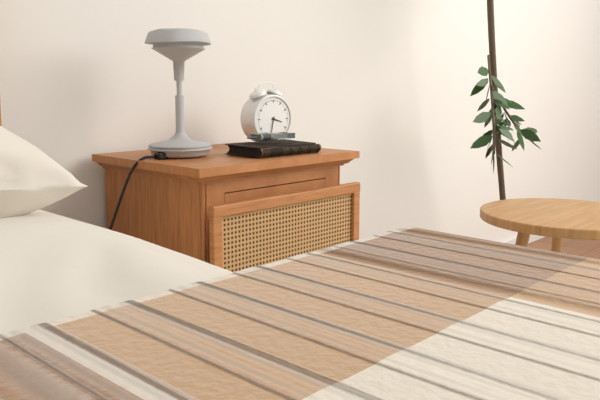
3:32
